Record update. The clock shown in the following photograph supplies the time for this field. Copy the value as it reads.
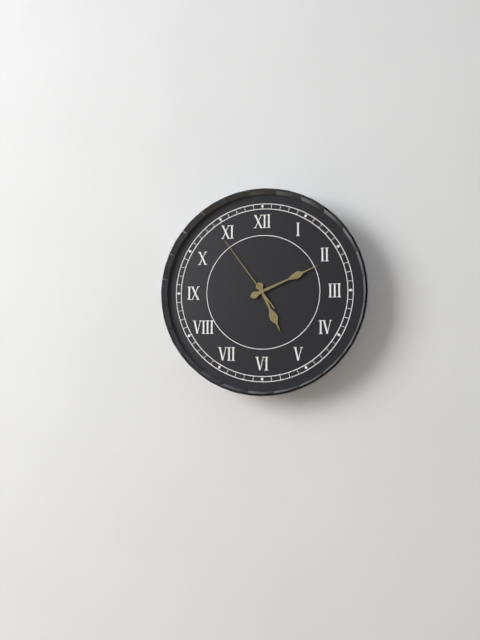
5:11:54
